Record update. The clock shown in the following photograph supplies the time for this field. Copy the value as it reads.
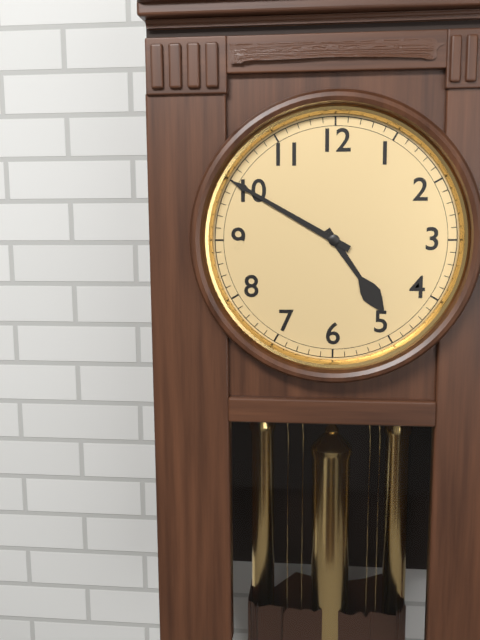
4:50
